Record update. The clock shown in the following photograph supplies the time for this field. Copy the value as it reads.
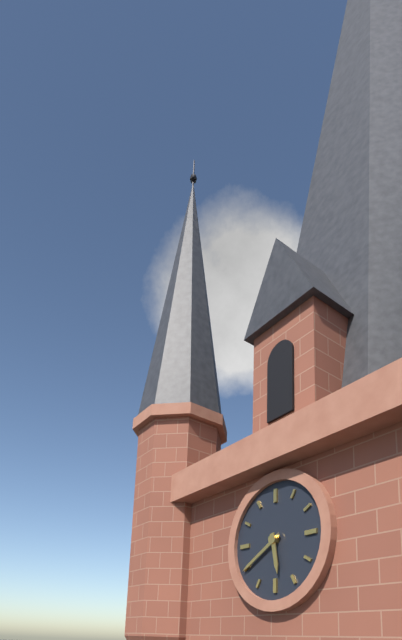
5:40
